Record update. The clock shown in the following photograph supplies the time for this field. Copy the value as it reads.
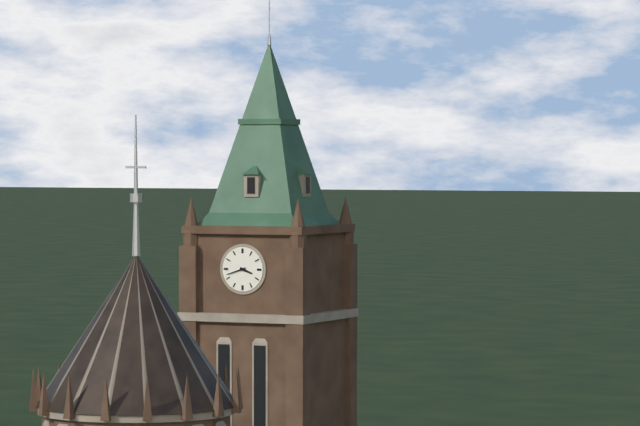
3:42
